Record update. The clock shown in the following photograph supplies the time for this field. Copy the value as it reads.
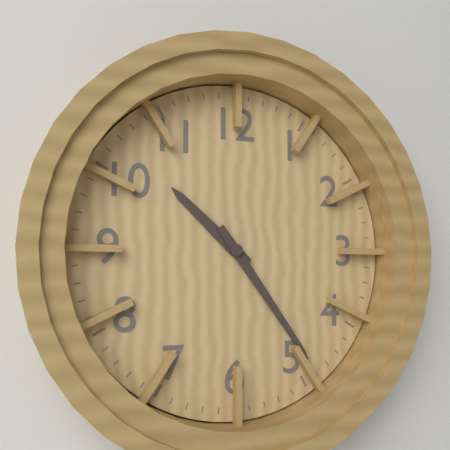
10:24
